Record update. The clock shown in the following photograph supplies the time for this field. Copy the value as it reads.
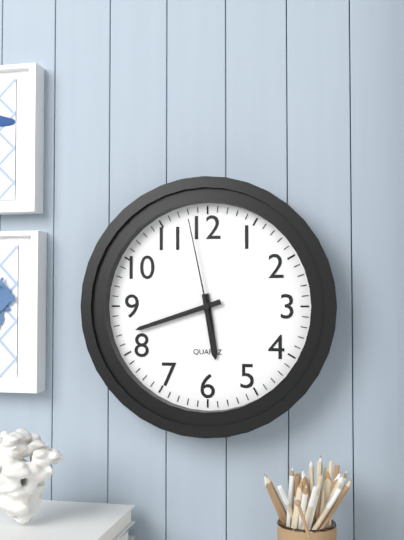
5:42:58
